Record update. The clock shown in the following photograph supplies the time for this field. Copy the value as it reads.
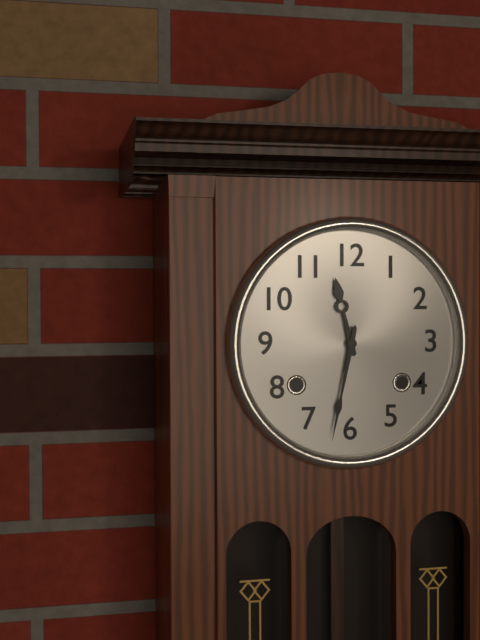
11:32
